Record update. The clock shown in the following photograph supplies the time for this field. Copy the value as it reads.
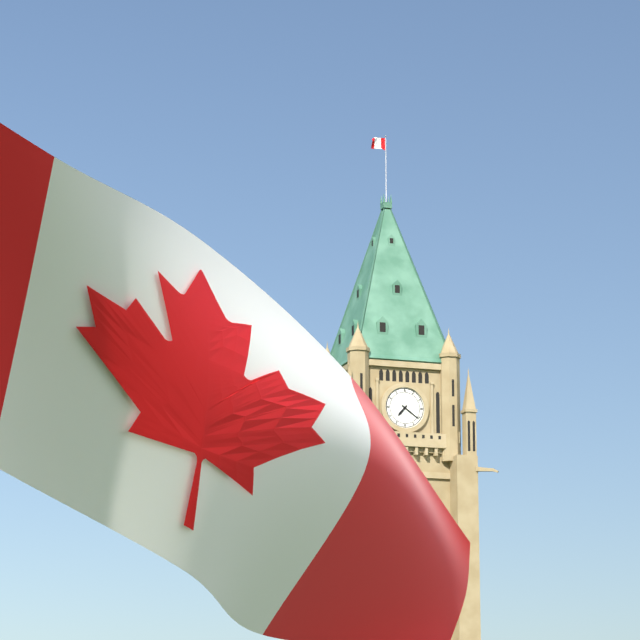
7:21
